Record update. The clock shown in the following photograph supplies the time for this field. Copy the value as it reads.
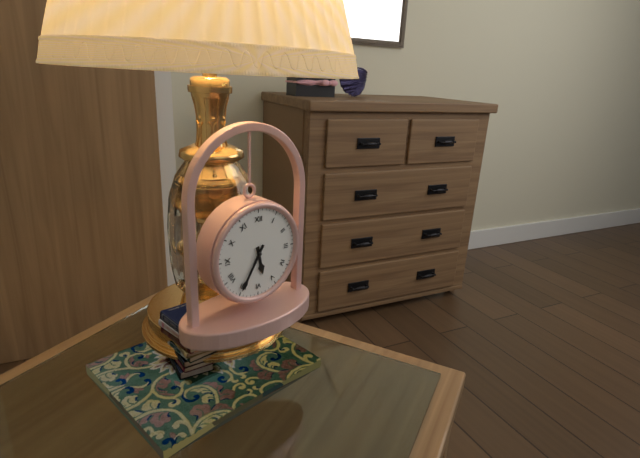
5:35
